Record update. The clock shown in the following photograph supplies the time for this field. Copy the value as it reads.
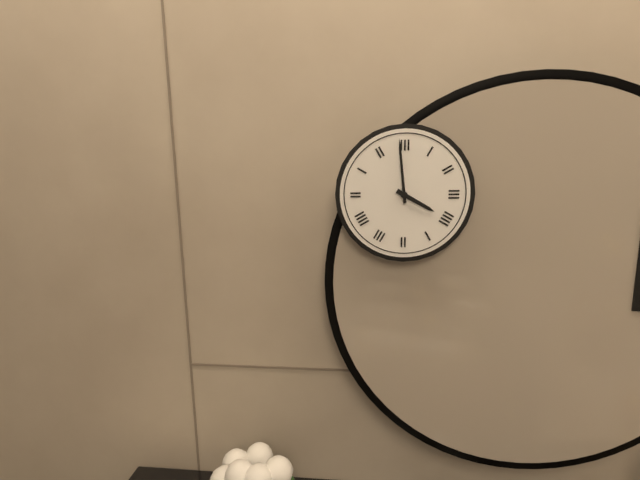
3:59
